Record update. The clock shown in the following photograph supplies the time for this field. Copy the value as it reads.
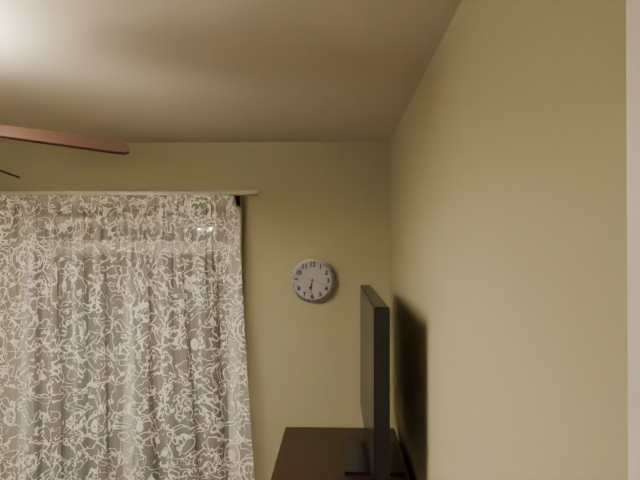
6:31
